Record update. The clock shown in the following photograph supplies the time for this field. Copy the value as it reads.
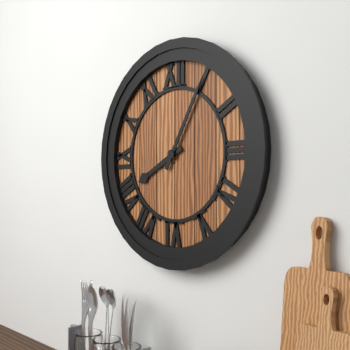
8:05
